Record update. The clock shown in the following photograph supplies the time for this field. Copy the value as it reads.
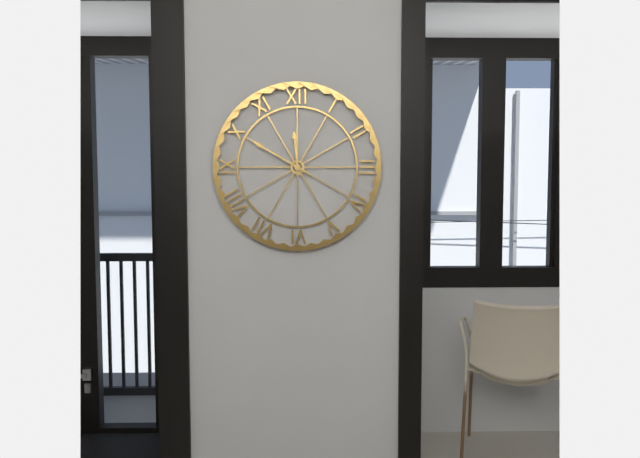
11:50
